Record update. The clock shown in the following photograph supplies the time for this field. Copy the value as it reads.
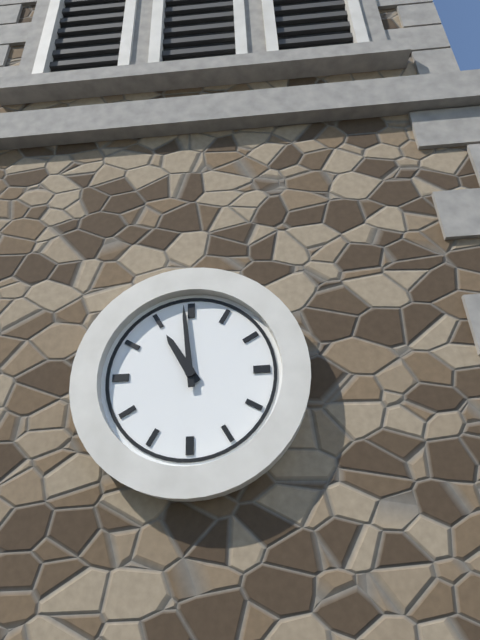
10:59
